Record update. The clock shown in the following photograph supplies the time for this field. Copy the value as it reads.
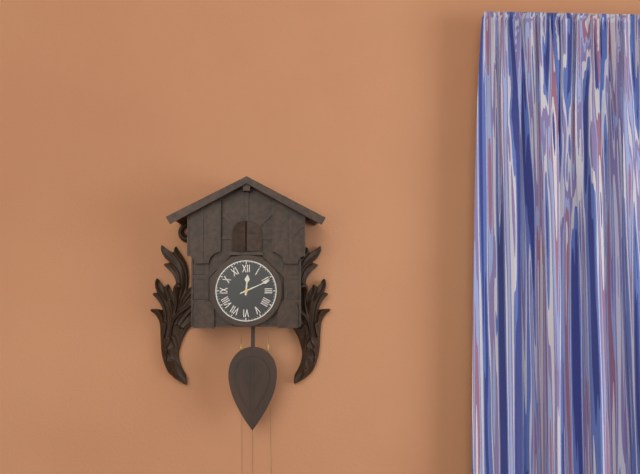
12:11
